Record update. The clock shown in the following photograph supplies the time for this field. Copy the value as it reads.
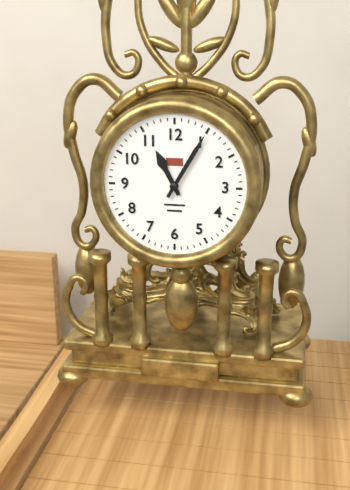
11:05
